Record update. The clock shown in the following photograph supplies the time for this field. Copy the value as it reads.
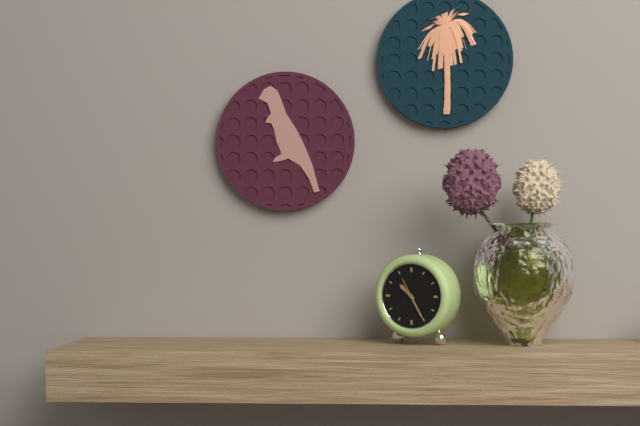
10:25
